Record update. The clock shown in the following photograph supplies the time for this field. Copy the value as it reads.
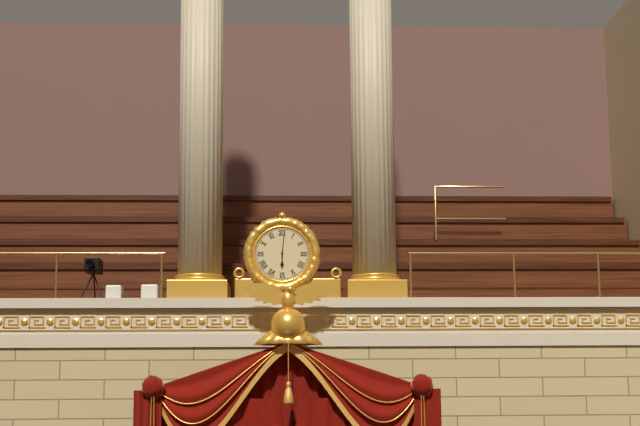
6:01
